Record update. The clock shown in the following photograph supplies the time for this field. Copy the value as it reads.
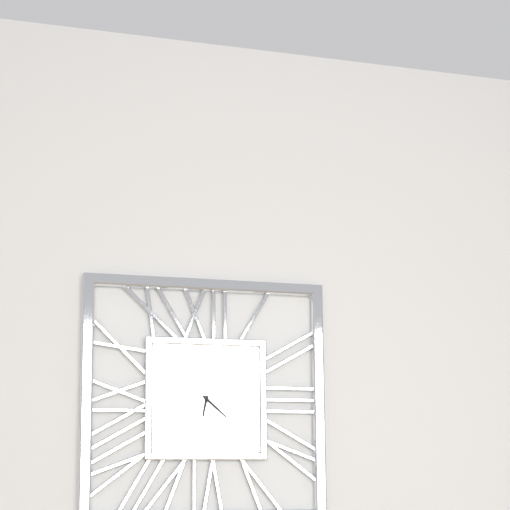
6:22
